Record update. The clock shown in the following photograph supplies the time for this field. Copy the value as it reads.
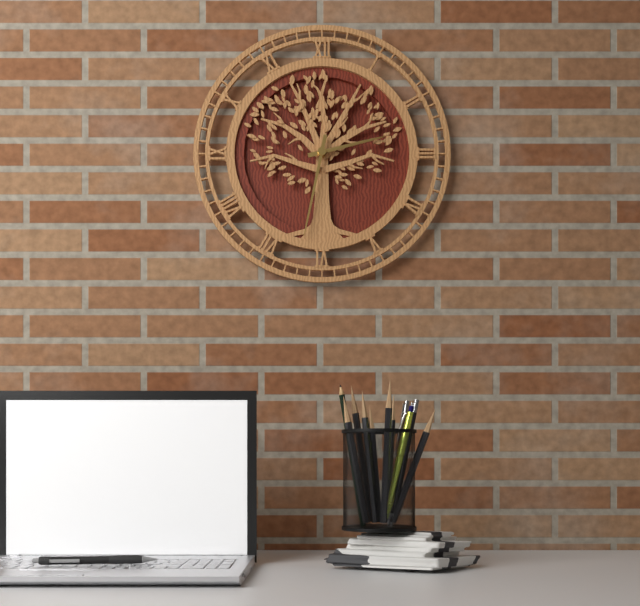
2:32
